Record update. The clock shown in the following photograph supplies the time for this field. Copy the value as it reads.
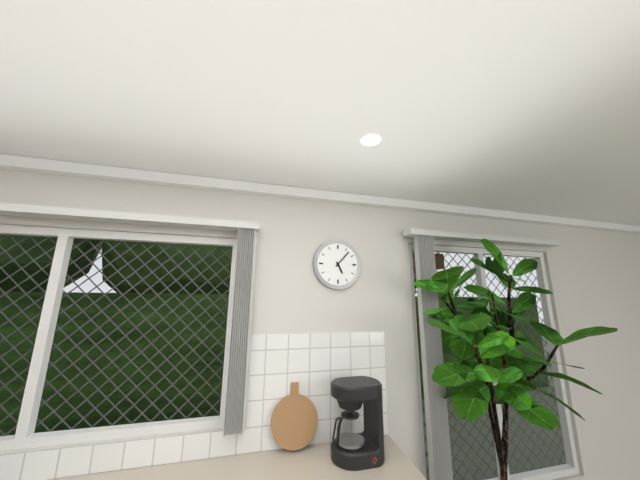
5:07
